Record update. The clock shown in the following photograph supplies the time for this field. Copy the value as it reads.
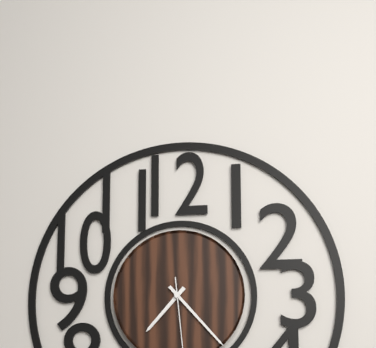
7:23
